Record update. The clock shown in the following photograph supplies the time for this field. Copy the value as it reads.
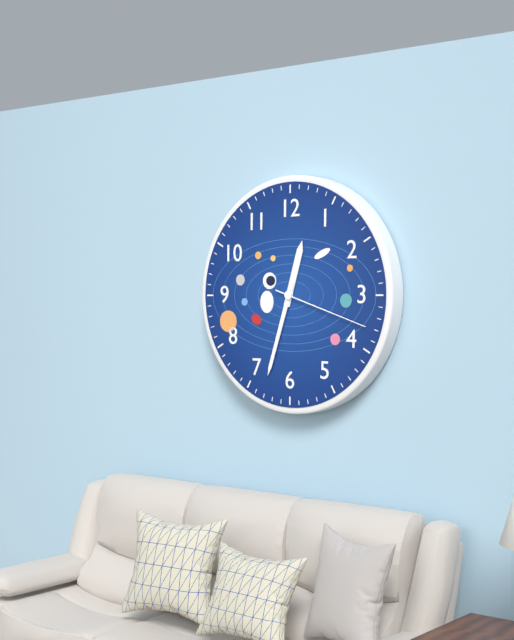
12:33:18
